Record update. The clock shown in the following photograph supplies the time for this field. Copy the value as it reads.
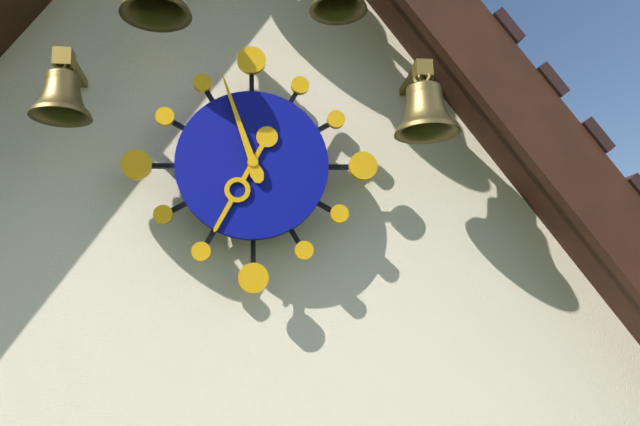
6:57
